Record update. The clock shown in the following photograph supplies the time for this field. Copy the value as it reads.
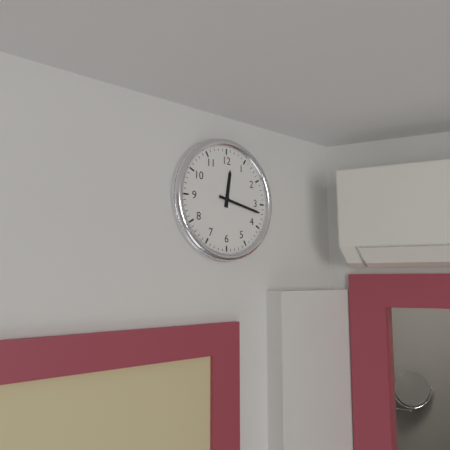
12:17
